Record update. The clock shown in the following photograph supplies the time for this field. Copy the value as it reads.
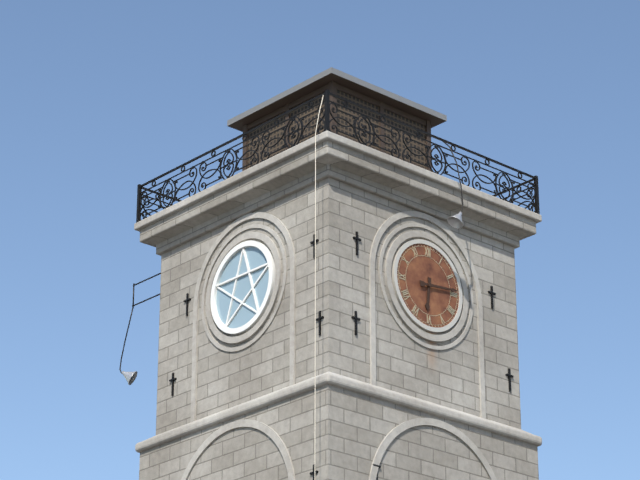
6:14
